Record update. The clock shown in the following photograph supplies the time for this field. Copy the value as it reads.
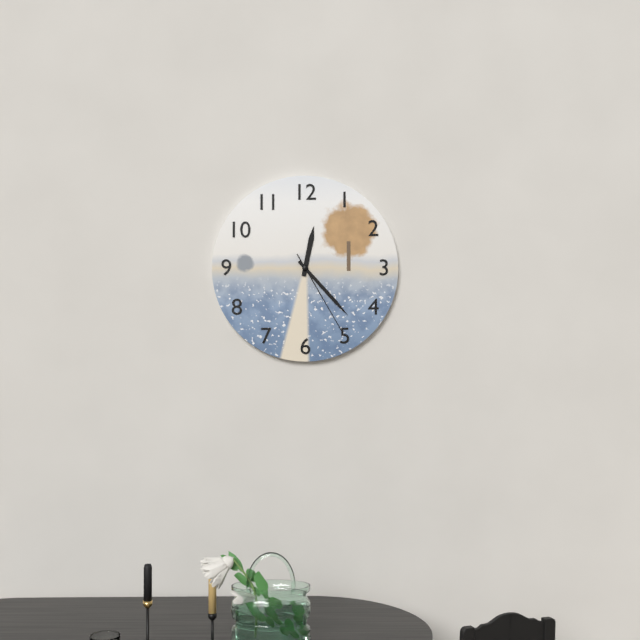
12:23:25
